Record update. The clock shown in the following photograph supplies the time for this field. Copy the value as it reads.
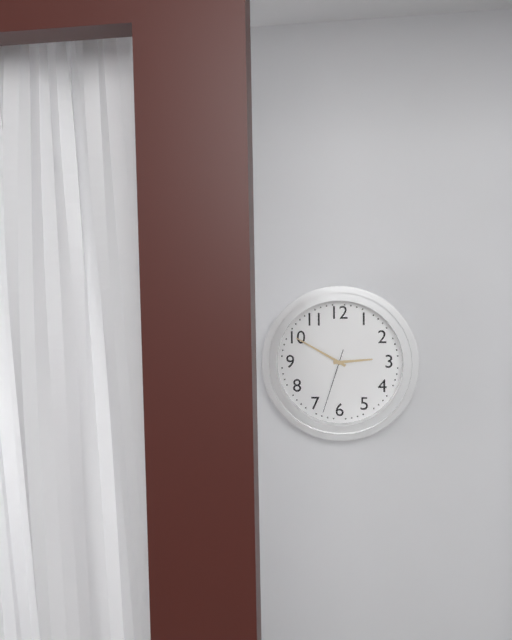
2:50:33
